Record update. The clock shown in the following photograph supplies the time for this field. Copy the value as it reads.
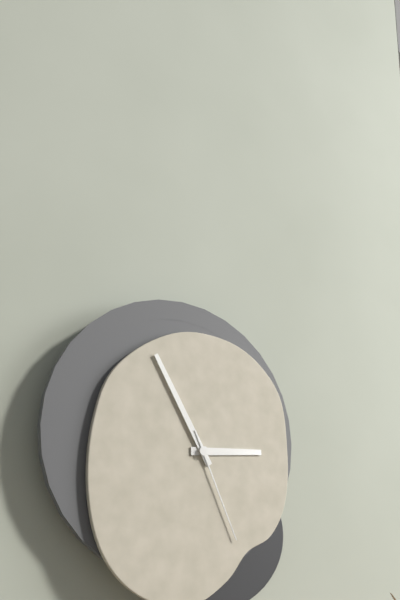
2:55:26
